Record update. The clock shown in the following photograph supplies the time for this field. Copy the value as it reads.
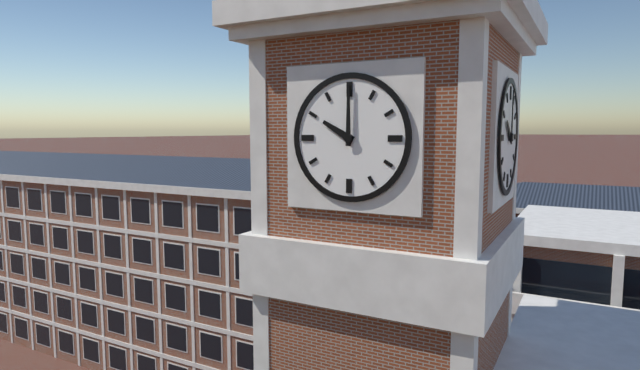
10:00
